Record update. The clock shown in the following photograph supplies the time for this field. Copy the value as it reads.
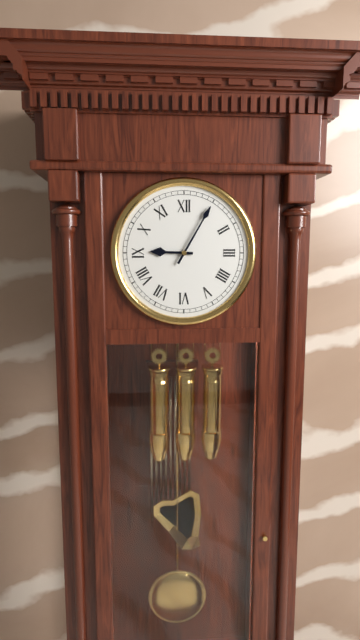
9:05
